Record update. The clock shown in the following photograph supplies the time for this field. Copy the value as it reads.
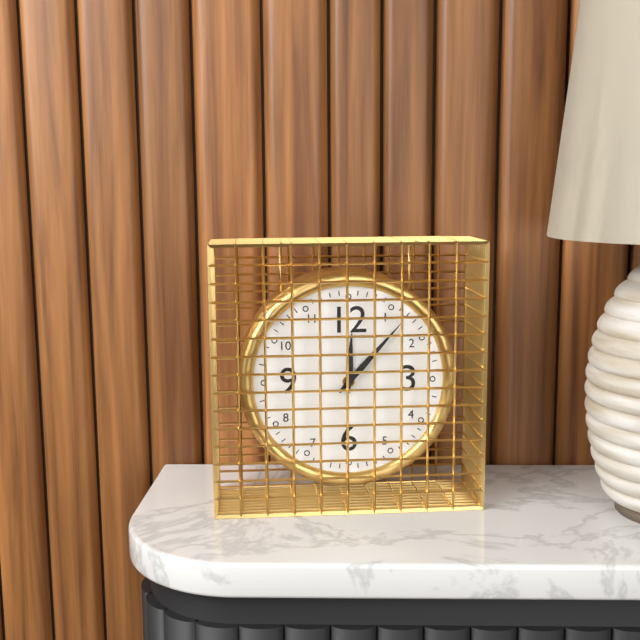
12:07
